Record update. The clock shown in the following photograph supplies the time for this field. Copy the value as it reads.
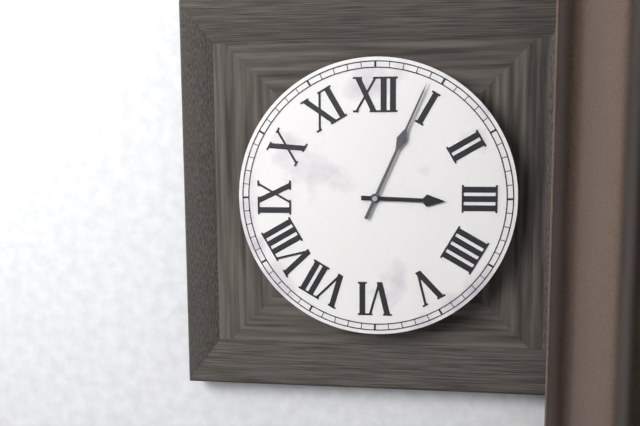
3:04
